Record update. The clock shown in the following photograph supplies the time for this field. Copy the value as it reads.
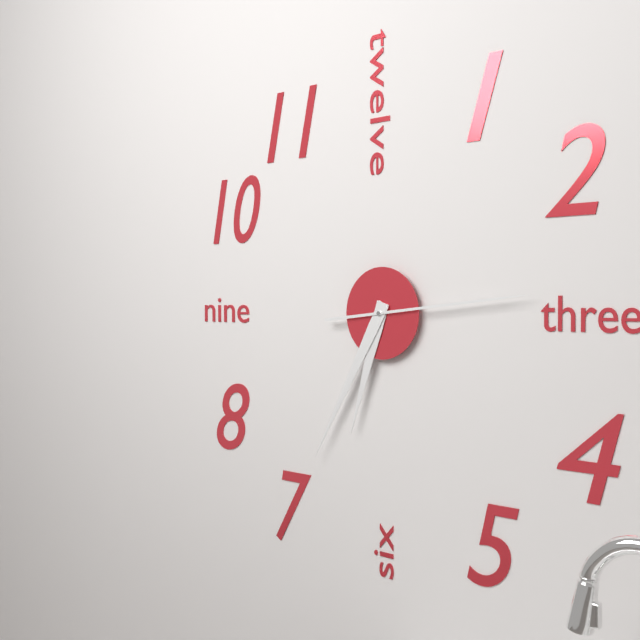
6:35:14
